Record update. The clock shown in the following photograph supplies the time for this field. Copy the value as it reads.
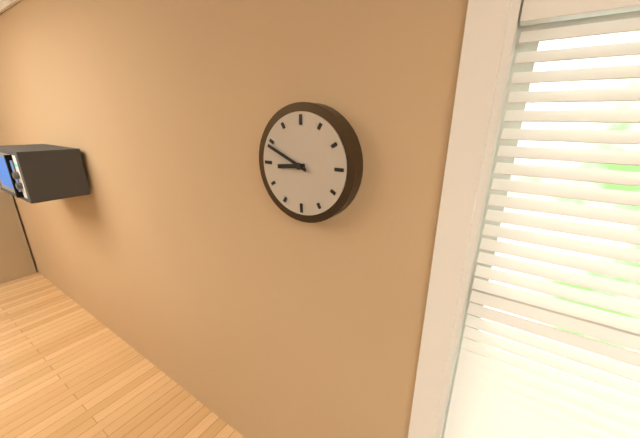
8:49
